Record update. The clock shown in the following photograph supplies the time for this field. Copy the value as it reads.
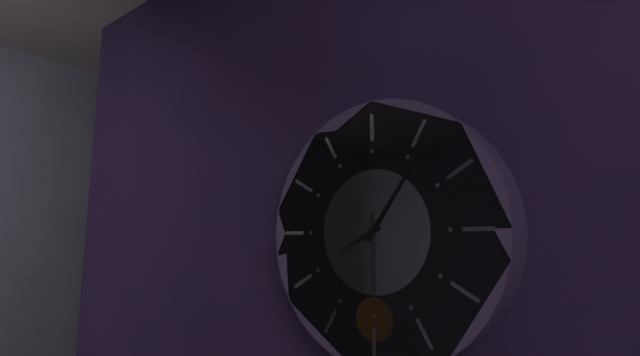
8:06:30
